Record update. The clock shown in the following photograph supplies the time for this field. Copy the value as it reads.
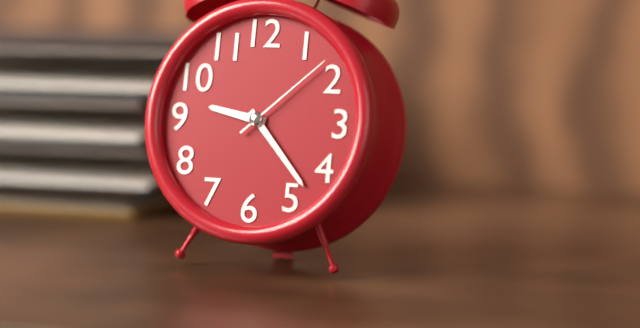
9:23:08
